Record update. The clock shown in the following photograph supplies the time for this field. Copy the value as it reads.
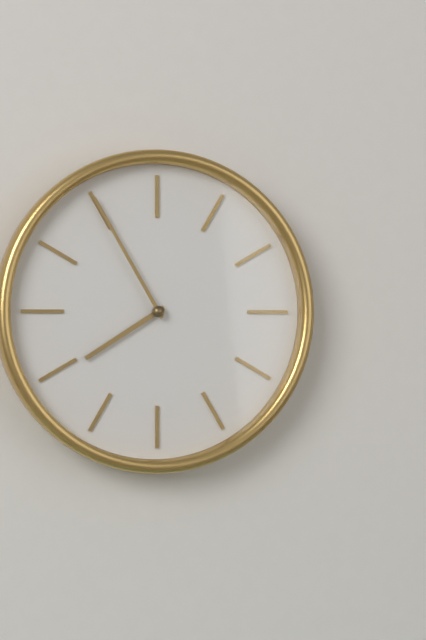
7:55
